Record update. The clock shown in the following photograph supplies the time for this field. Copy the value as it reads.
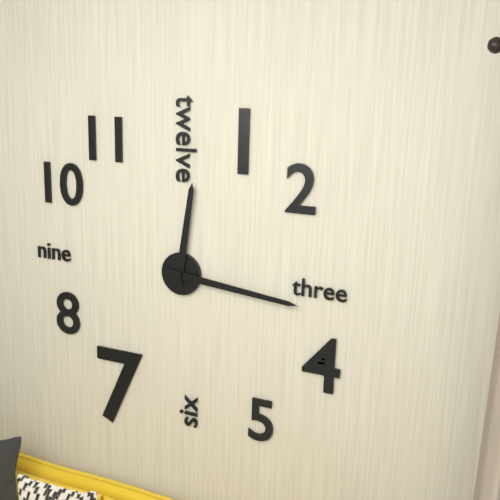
12:16
